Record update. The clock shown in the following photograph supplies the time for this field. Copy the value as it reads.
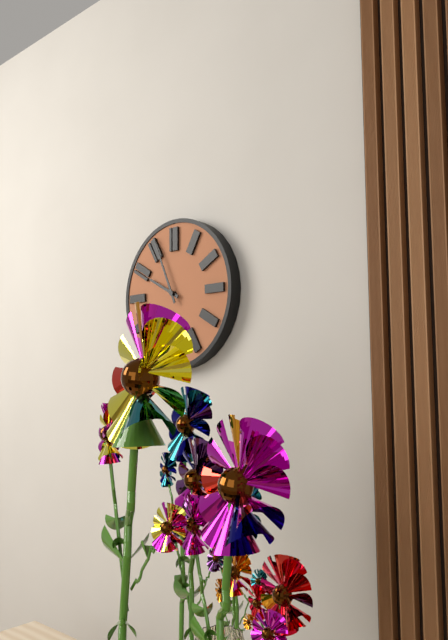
9:56
